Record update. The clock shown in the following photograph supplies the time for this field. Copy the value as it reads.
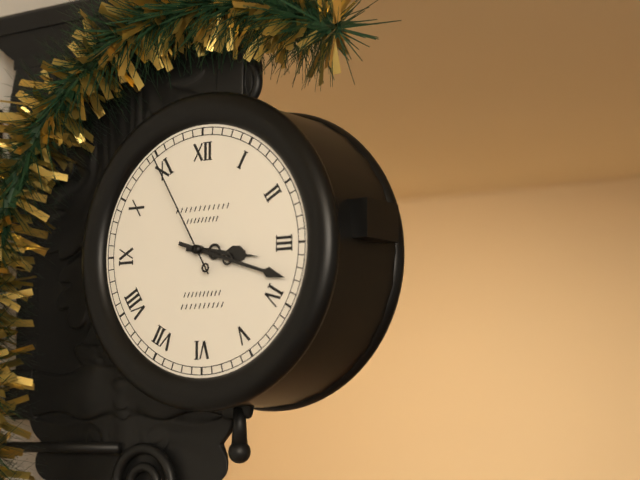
3:18:55
